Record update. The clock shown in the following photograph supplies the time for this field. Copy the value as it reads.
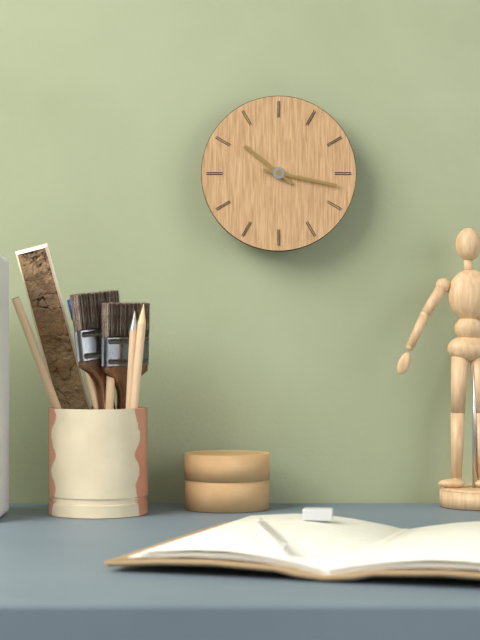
10:17
